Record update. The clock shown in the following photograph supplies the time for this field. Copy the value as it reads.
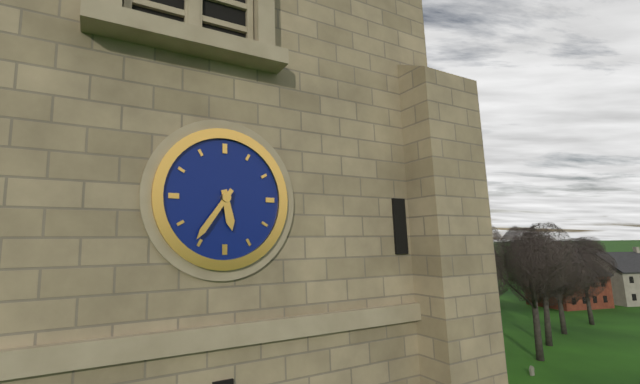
5:36
